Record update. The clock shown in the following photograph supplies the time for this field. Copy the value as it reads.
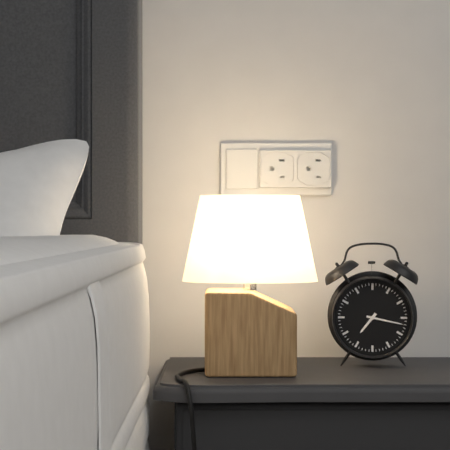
7:17
